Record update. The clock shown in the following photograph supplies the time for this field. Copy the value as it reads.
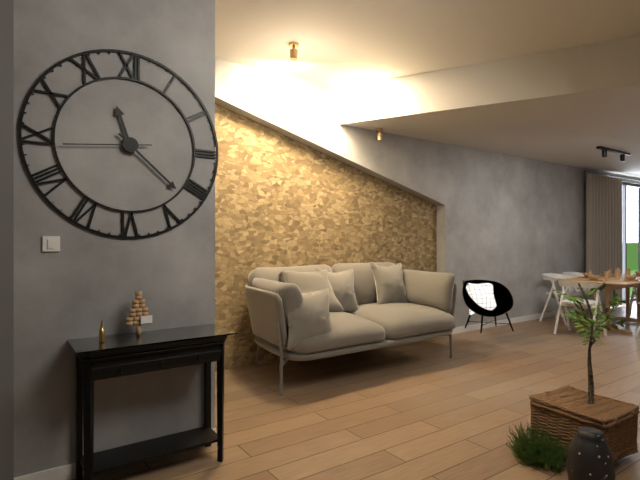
11:22:44
